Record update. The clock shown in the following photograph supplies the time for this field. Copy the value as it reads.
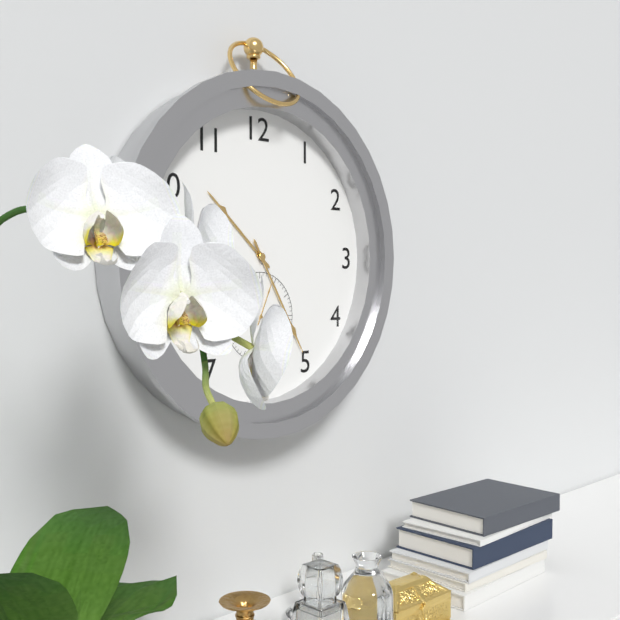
10:25
